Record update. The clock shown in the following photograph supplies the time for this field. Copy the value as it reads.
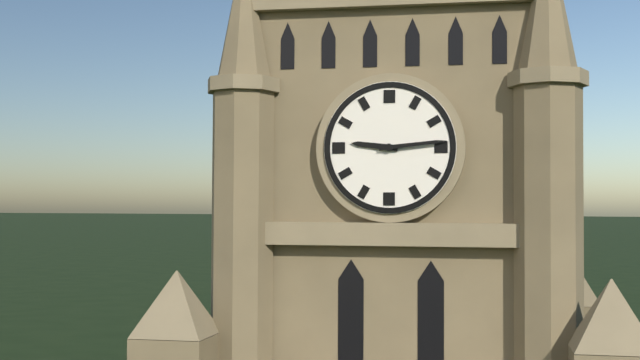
9:14
